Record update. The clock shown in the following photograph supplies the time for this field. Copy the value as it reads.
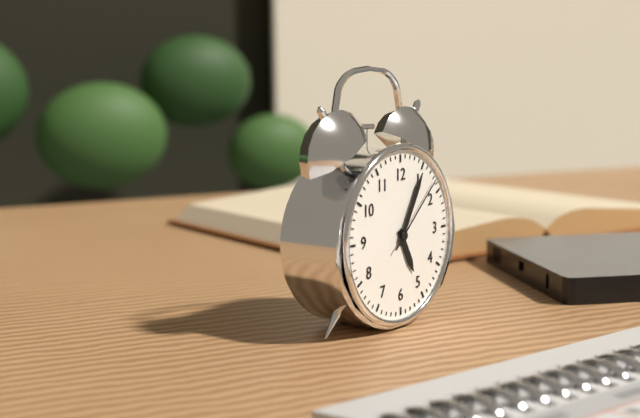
5:05:08
